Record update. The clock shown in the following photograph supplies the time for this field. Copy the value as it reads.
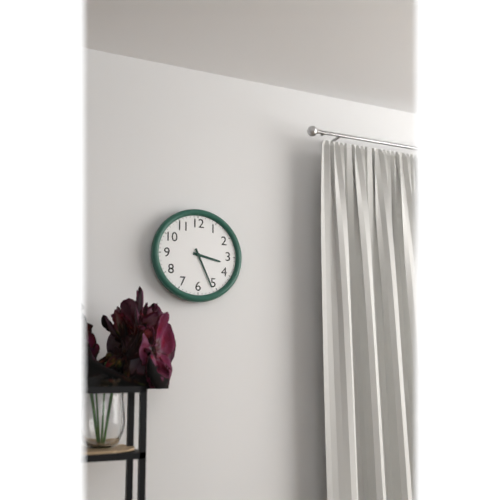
3:26
